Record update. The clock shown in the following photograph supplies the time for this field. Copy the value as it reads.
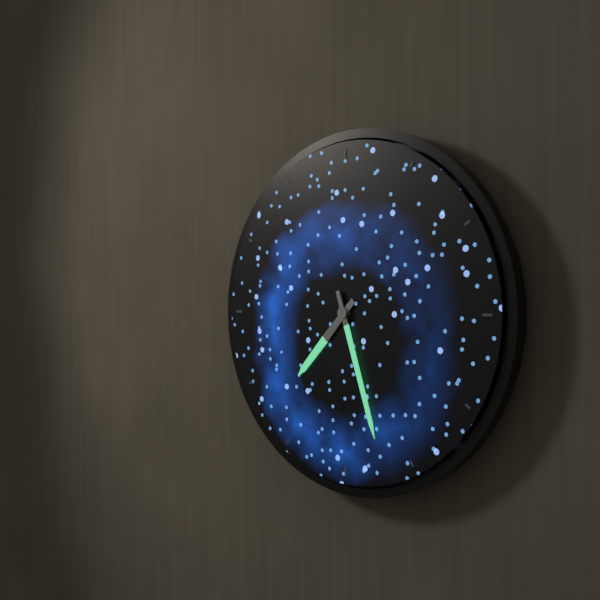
7:27
